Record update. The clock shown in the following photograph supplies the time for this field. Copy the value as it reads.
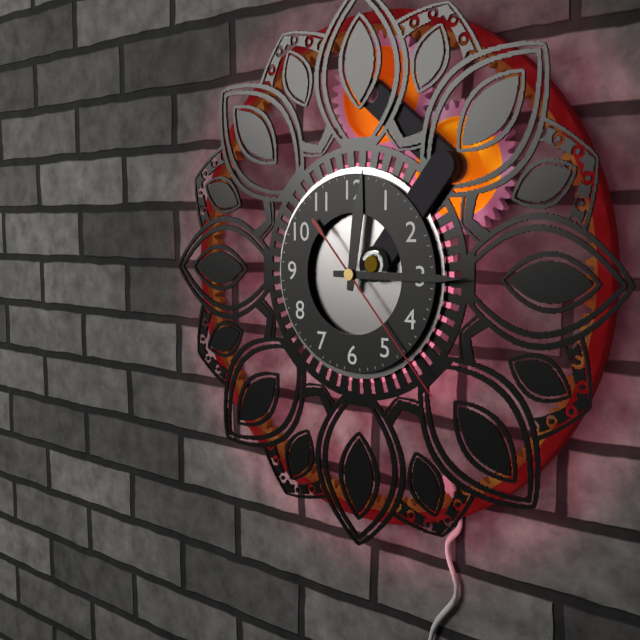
12:15:23
